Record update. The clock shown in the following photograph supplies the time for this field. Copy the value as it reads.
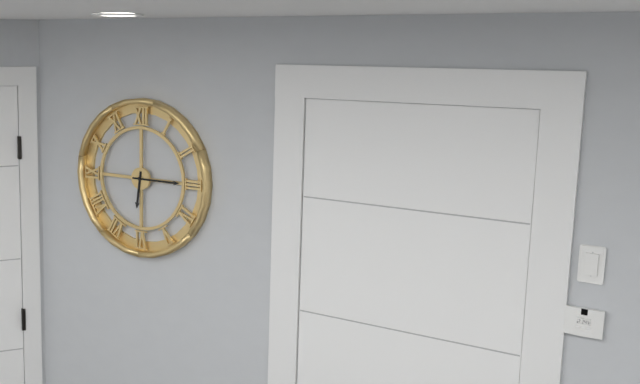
6:15
